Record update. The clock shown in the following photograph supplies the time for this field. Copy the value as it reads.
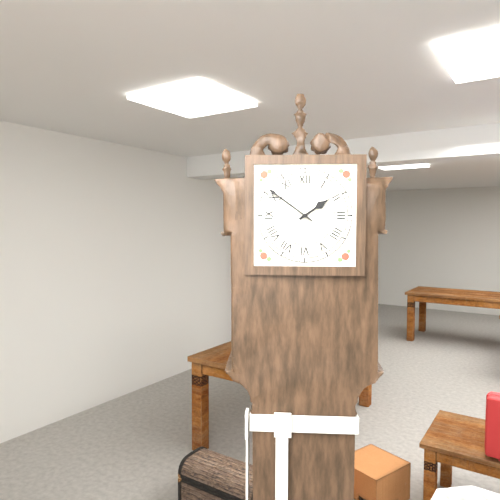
1:51
